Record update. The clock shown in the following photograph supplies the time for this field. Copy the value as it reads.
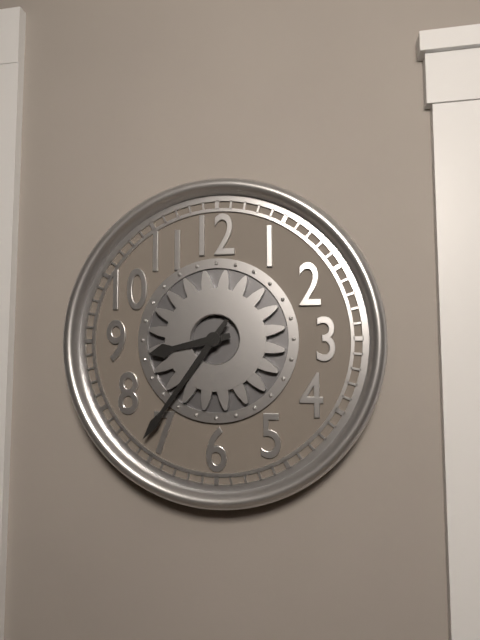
8:36
